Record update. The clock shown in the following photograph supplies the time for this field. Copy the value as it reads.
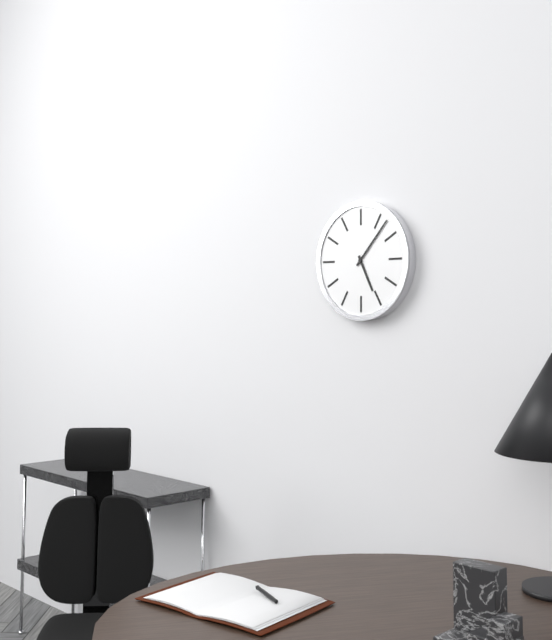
5:07
